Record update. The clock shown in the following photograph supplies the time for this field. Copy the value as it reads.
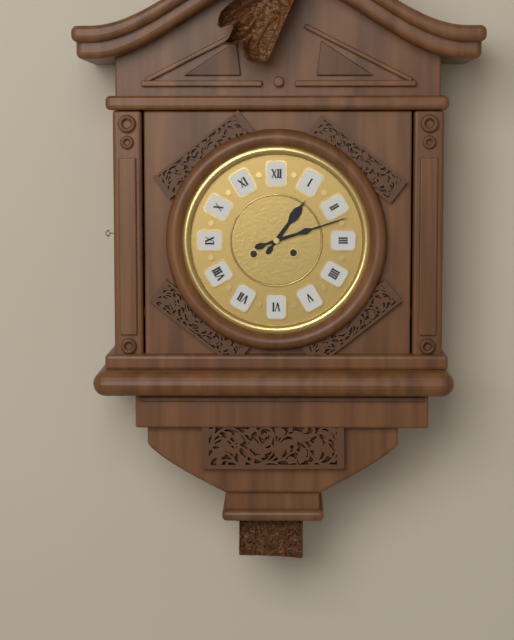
1:12
